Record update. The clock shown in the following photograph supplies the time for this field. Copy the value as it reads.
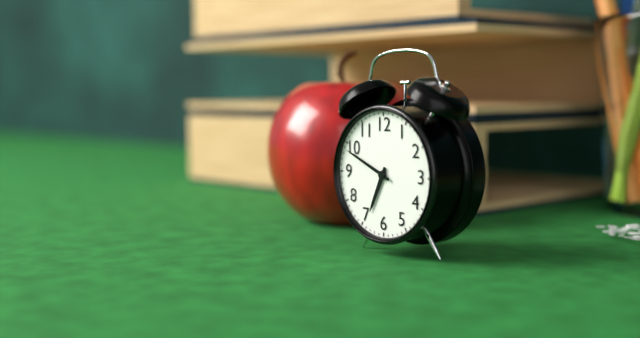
6:49
